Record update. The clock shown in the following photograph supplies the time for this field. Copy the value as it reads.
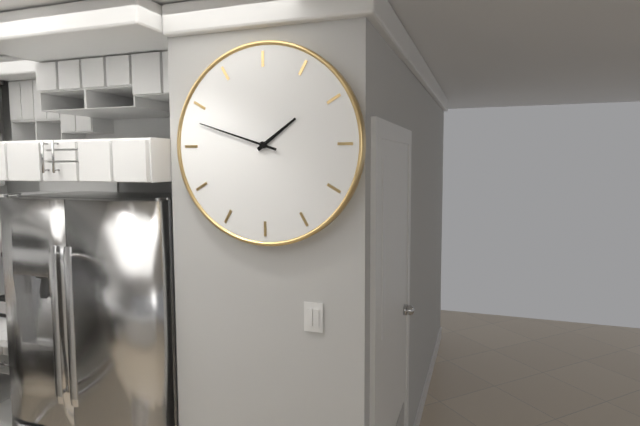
1:48
